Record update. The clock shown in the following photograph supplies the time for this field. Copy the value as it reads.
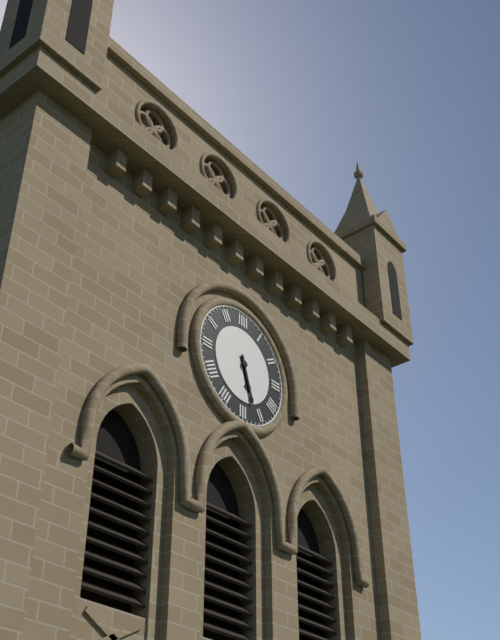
5:27
